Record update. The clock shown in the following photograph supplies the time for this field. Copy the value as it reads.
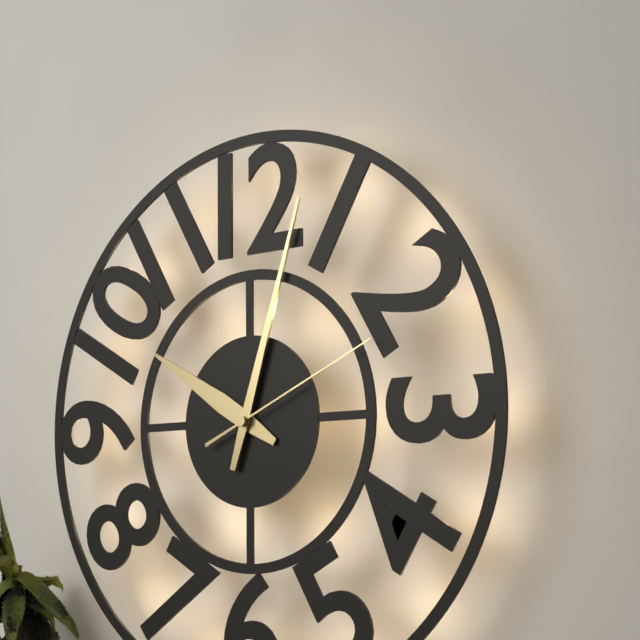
10:03:11
